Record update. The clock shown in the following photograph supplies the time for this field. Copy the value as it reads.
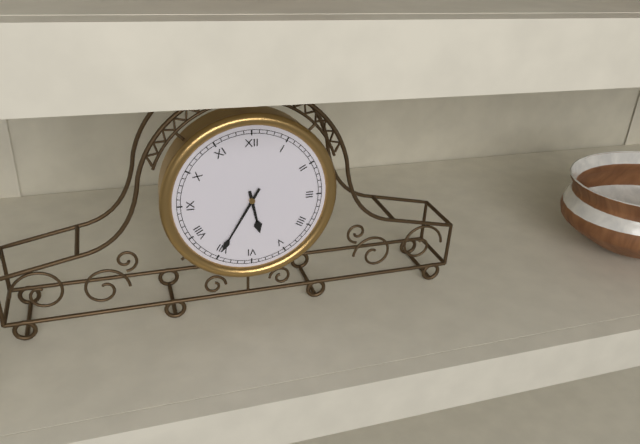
5:35
